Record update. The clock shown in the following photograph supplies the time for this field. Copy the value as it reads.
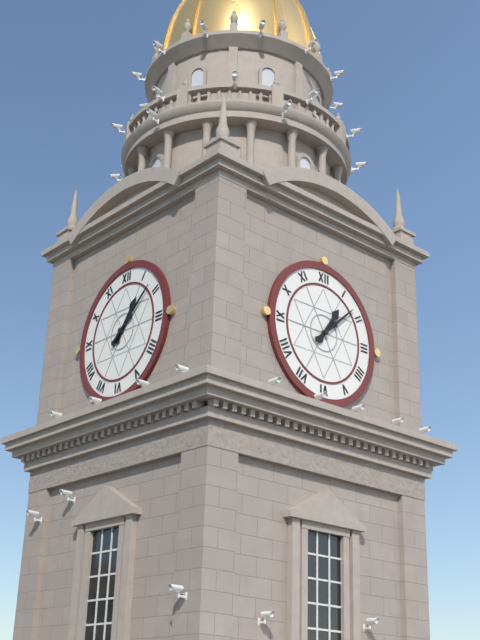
1:08
